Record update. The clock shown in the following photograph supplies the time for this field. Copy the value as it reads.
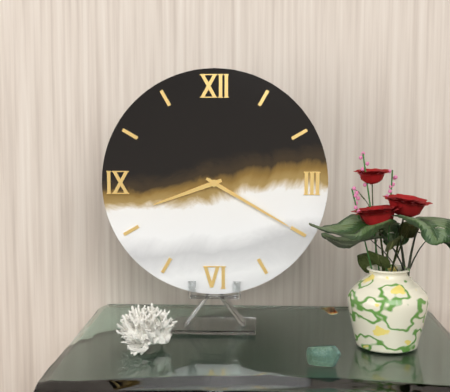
8:20
